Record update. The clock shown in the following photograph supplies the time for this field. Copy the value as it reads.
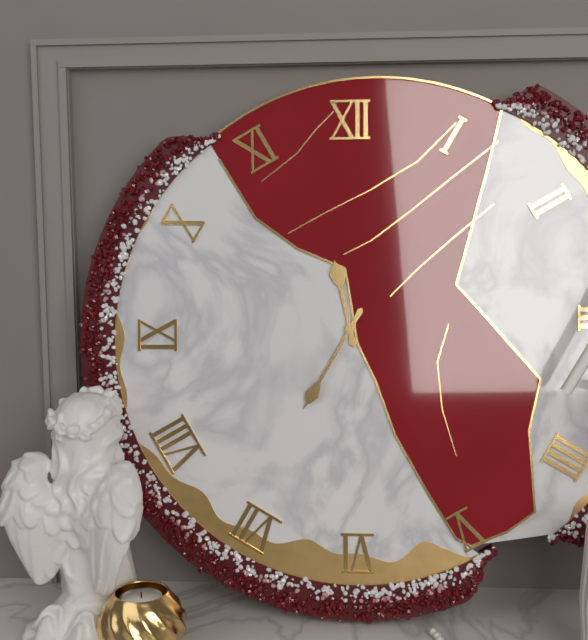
11:35
